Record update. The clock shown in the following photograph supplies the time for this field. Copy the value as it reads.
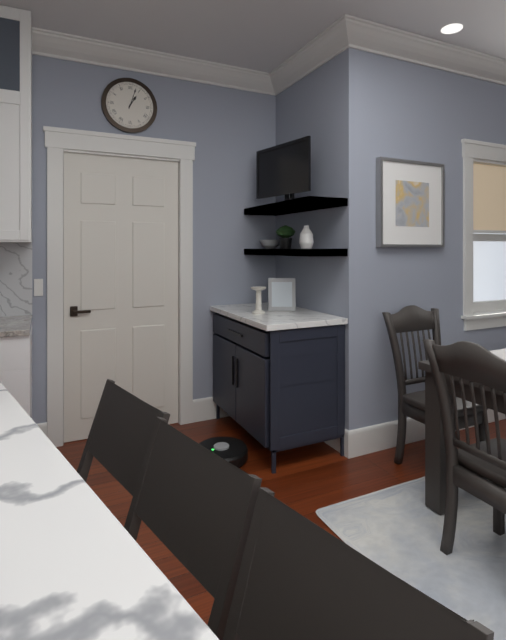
1:03
